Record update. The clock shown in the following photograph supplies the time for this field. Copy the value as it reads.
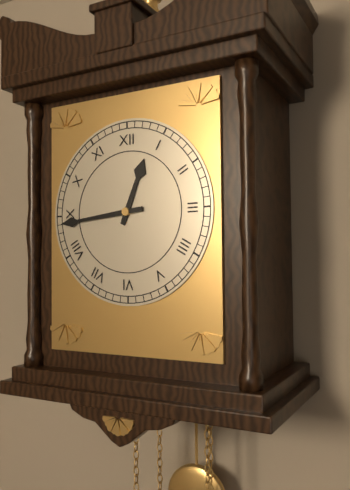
12:44
